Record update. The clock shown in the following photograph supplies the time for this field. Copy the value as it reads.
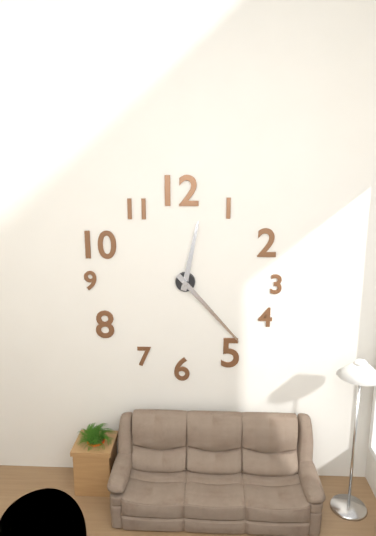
12:23
